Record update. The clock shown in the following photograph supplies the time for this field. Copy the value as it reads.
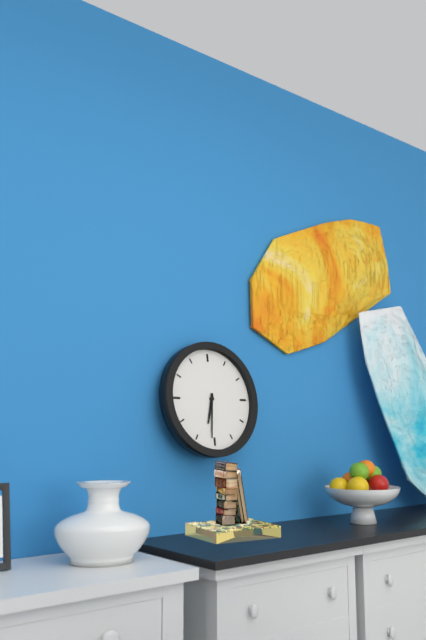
6:31
